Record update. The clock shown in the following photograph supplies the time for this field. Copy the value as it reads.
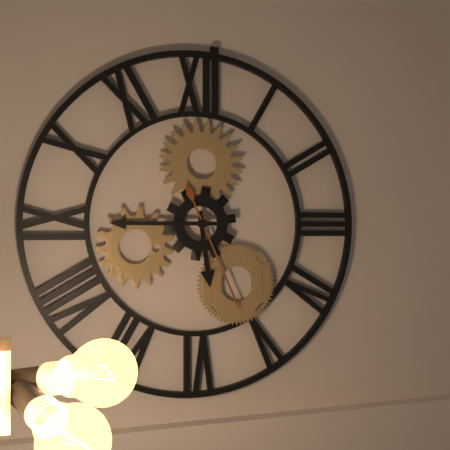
5:45:26
